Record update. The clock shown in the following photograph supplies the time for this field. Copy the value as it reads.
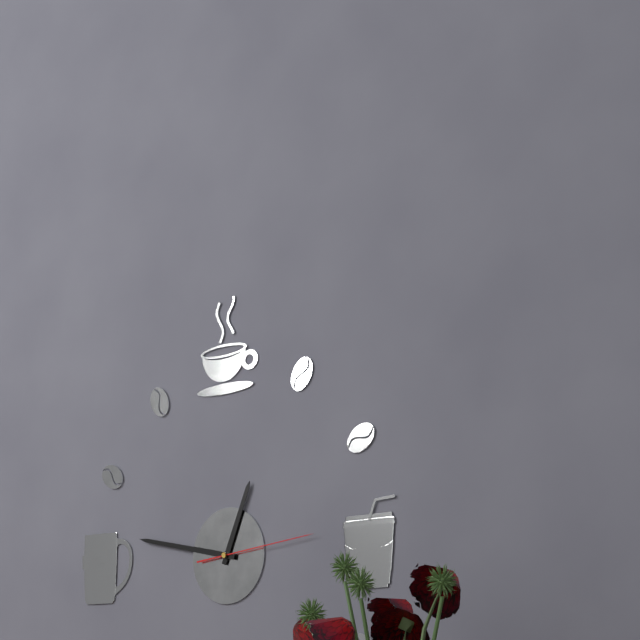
12:47:14
